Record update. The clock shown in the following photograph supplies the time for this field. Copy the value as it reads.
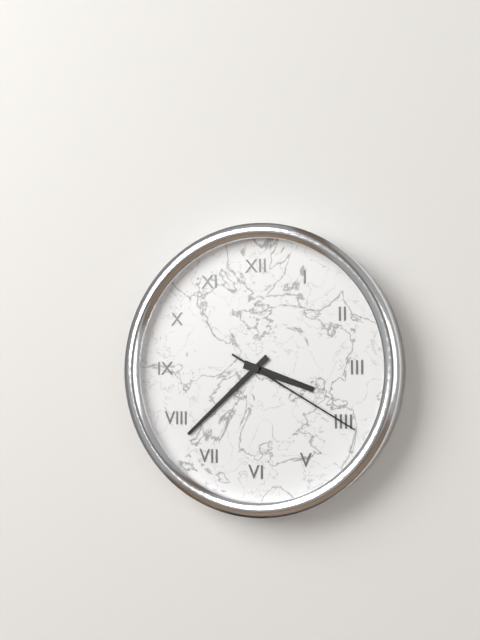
3:38:20
